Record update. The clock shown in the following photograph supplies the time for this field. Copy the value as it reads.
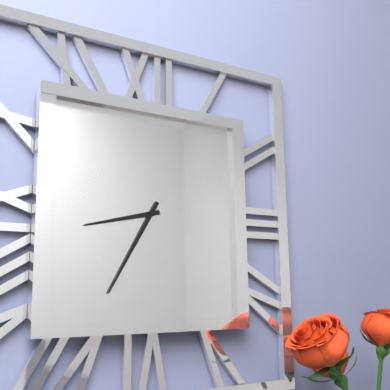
8:35
